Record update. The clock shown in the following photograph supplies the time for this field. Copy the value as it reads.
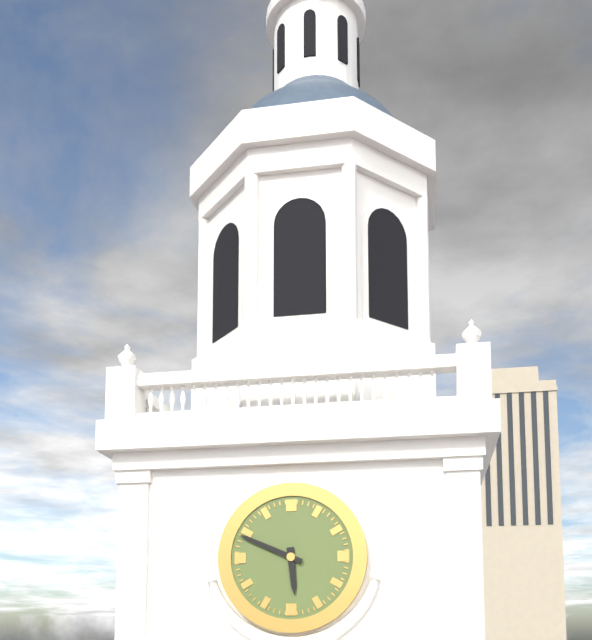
5:49
